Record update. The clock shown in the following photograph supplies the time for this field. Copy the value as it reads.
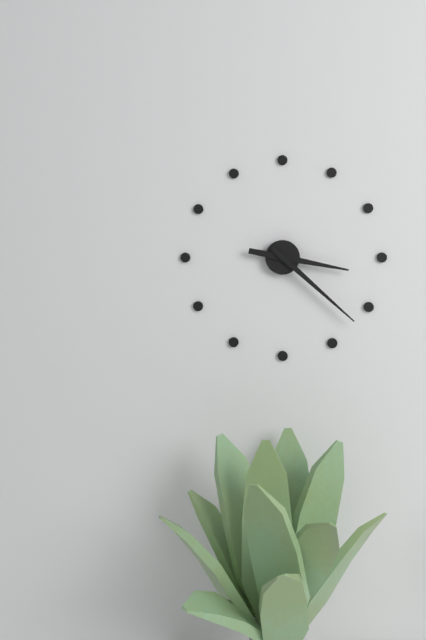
3:22
